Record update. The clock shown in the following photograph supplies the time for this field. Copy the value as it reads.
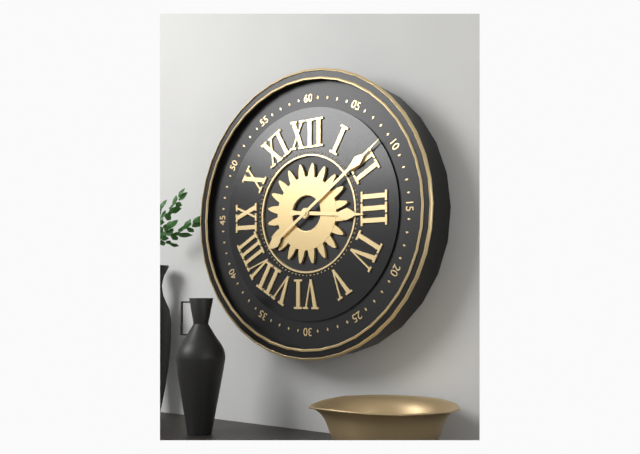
3:09
